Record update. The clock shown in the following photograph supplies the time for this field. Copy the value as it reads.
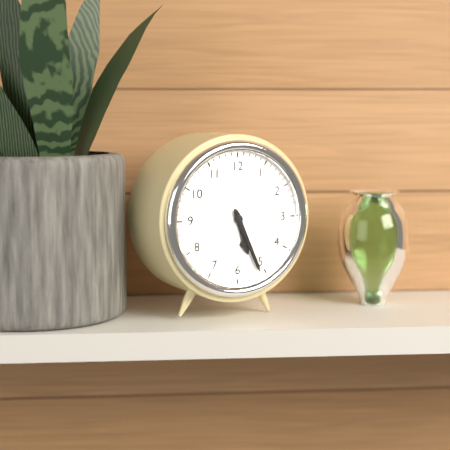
5:26
